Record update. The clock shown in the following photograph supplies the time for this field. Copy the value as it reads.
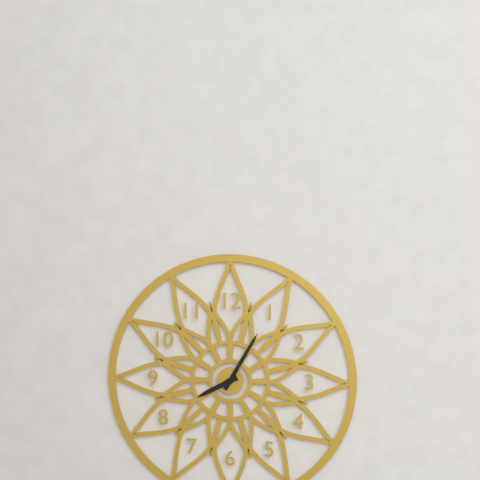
8:05
